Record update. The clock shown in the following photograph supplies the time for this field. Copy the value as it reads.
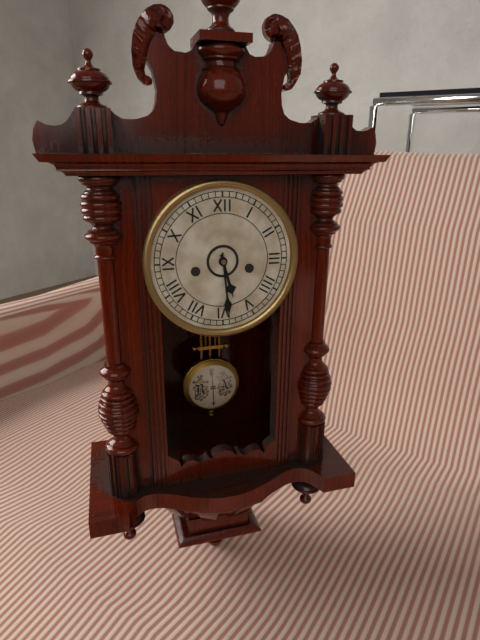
5:29
